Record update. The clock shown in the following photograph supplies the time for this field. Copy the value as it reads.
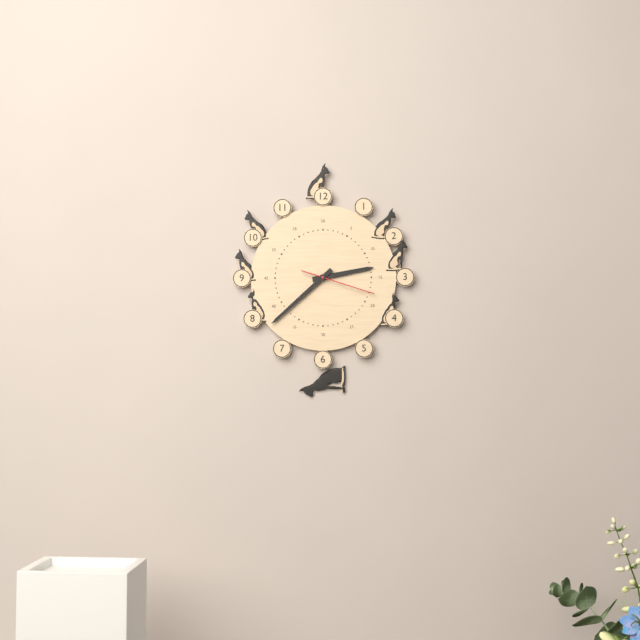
2:38:18
